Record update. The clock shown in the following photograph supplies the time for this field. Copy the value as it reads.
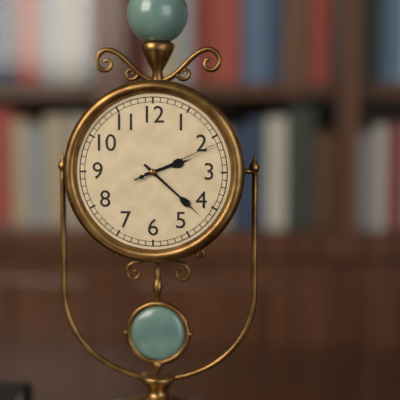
2:22:11
